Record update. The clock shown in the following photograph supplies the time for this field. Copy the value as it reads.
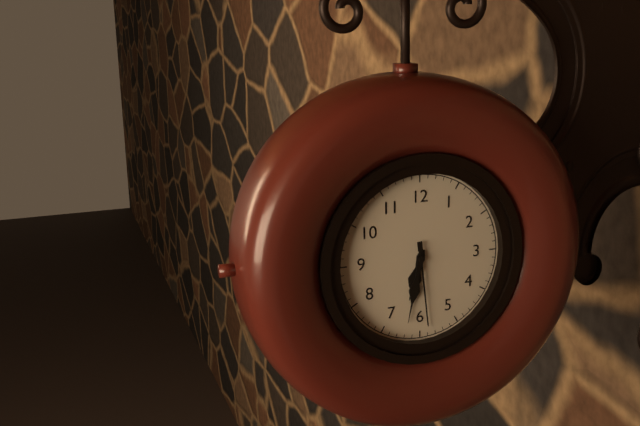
6:32:29
